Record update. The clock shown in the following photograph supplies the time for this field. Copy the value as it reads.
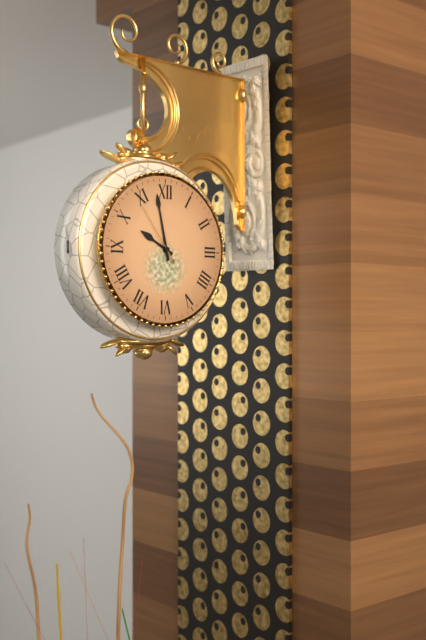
9:58:54
